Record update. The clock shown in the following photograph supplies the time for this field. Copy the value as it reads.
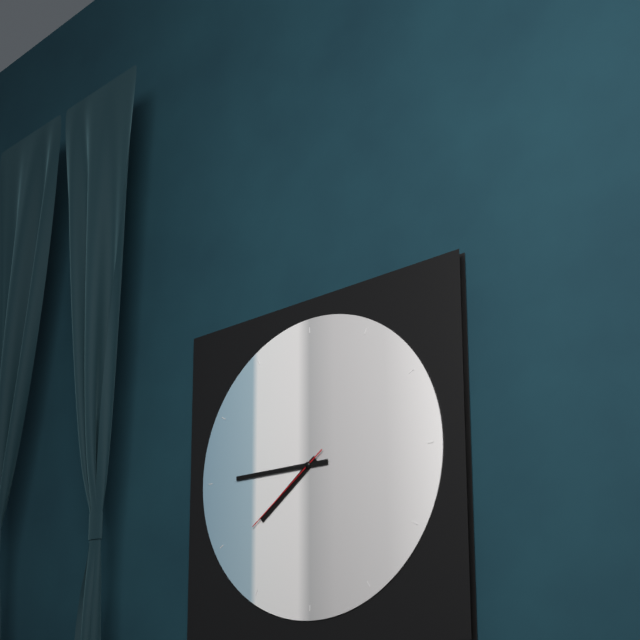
7:45:39
